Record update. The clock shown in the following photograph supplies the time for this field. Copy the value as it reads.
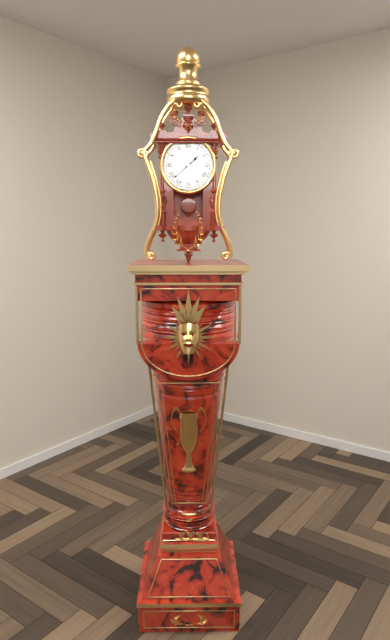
1:38
